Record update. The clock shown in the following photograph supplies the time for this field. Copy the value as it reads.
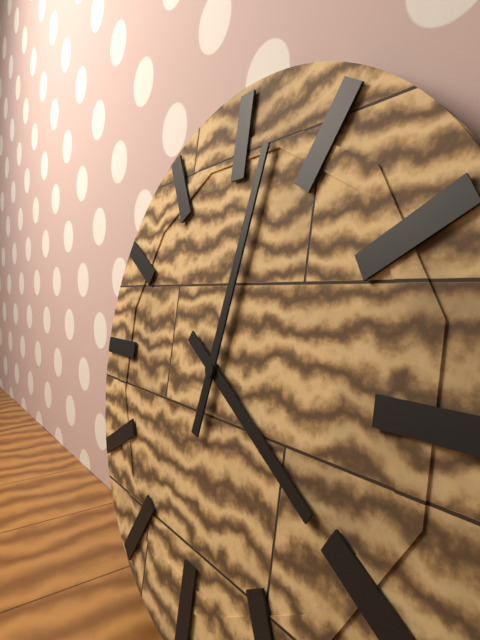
4:02
